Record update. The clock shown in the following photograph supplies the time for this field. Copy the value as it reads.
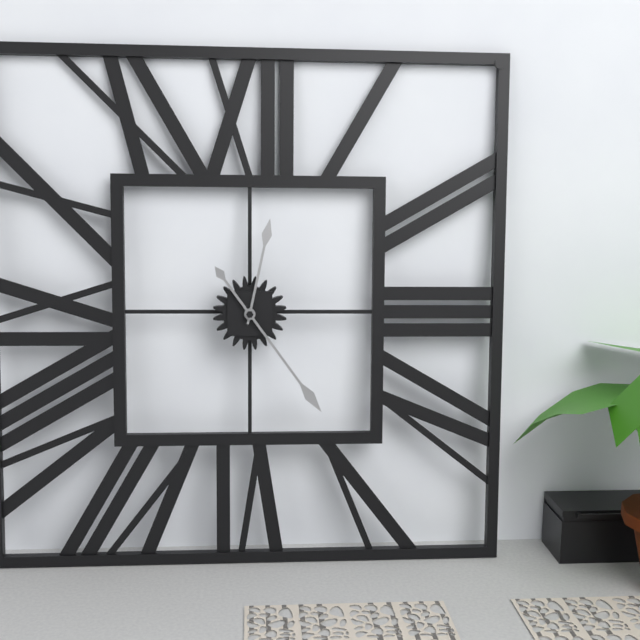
12:24
